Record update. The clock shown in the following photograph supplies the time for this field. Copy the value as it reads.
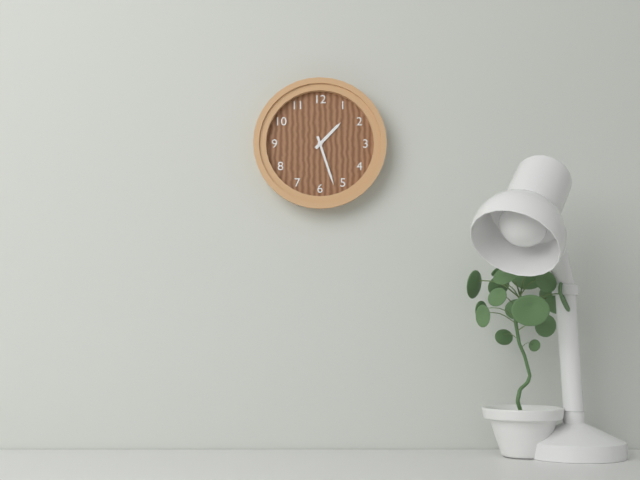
1:27
